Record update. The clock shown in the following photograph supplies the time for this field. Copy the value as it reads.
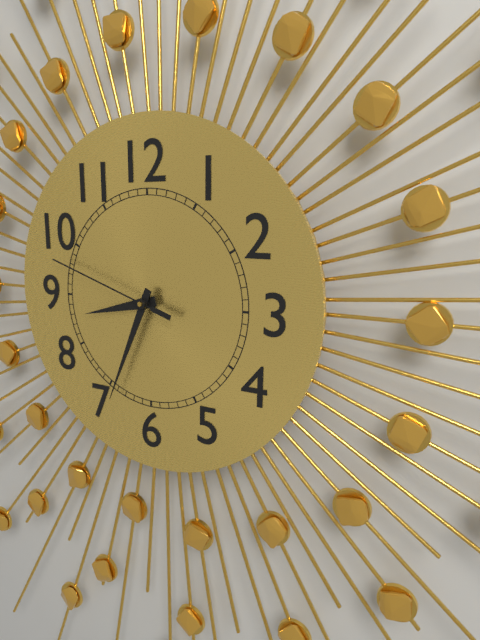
8:34:48
